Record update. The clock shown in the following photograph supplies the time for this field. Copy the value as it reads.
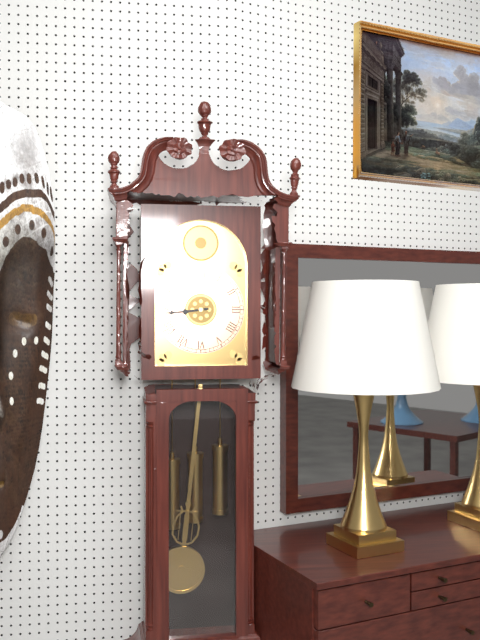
8:44
